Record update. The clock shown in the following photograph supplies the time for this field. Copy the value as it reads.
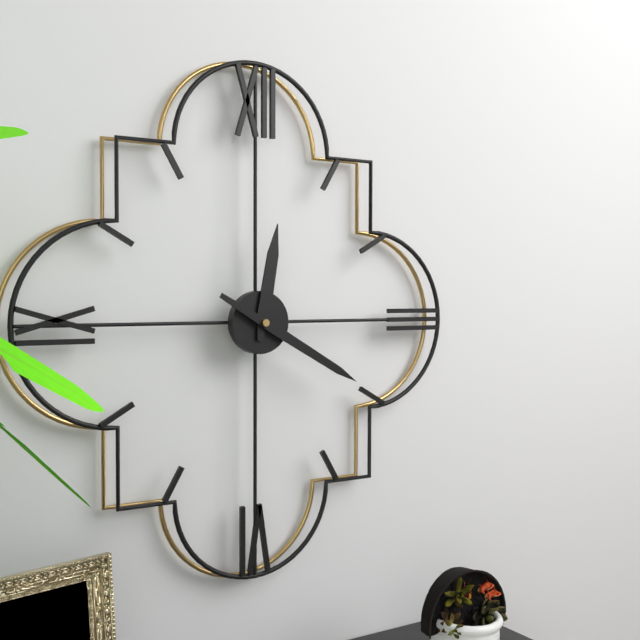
12:20
